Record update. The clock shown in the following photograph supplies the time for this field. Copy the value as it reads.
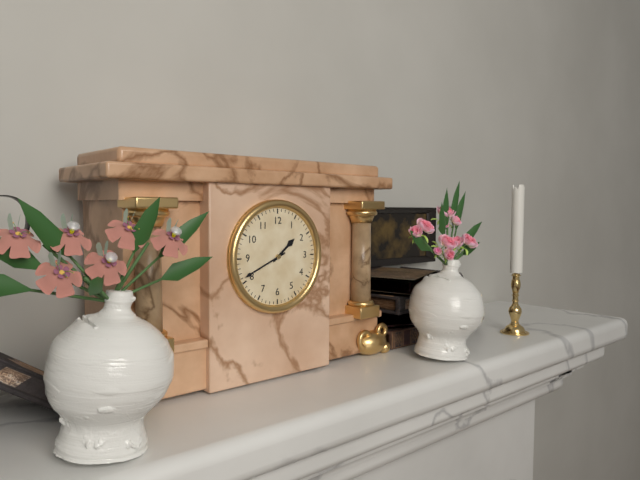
1:41
